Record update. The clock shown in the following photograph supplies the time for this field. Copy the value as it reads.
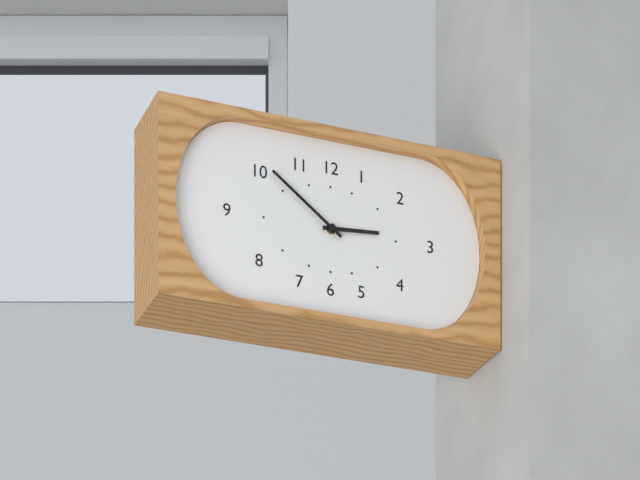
2:51
